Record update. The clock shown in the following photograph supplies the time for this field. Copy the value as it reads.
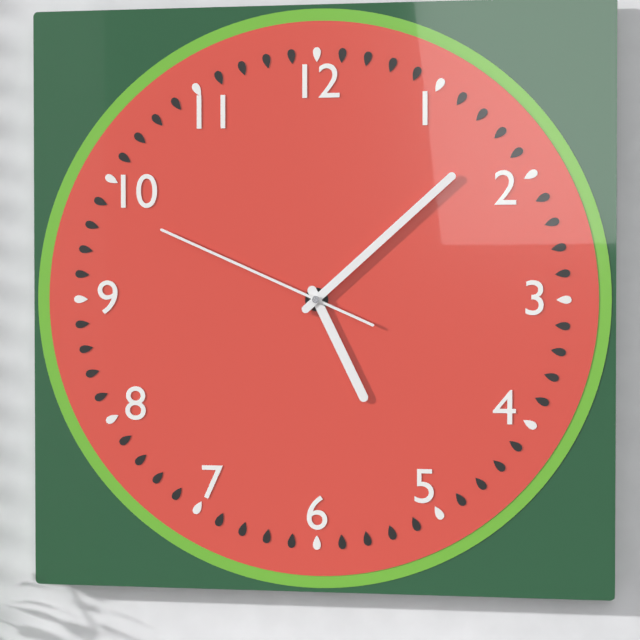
5:08:49
